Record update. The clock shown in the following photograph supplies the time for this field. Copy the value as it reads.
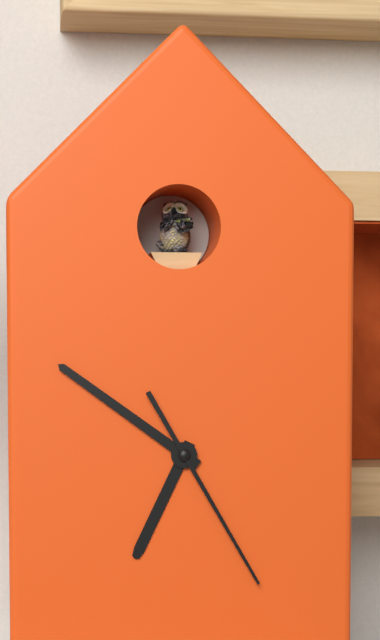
6:51:25
